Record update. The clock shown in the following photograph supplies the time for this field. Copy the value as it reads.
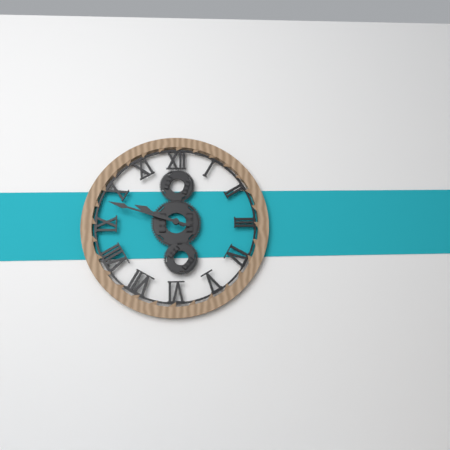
9:48
